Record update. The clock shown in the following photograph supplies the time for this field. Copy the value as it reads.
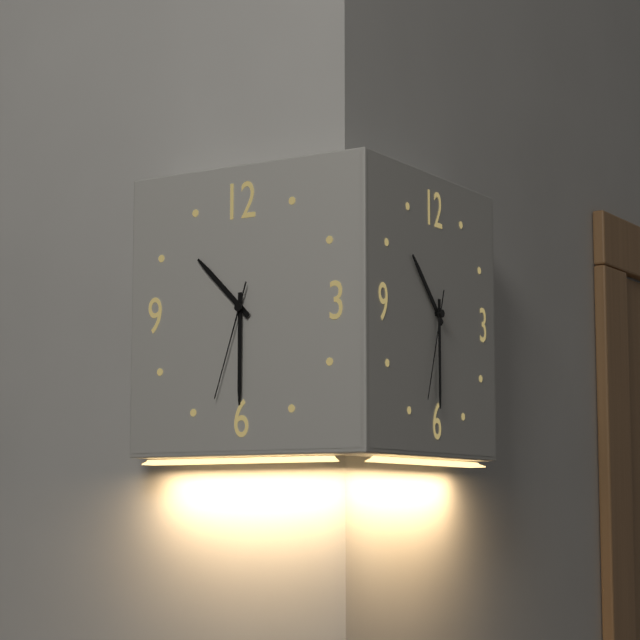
10:30:33
